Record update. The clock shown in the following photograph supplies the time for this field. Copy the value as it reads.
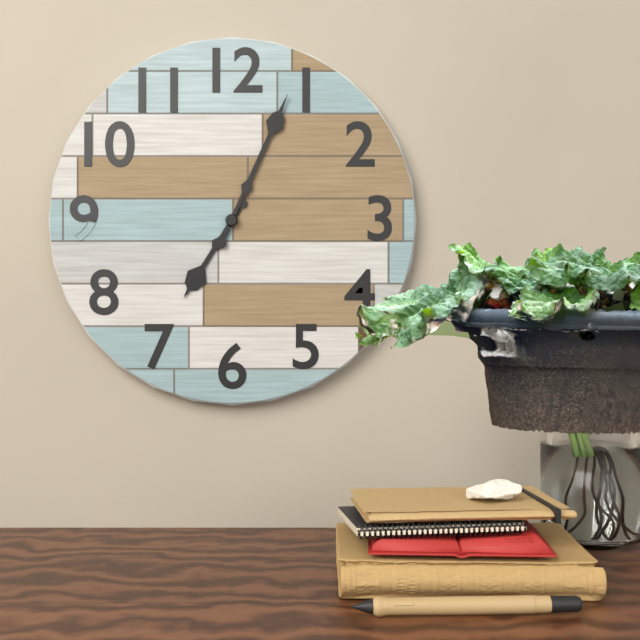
7:04
